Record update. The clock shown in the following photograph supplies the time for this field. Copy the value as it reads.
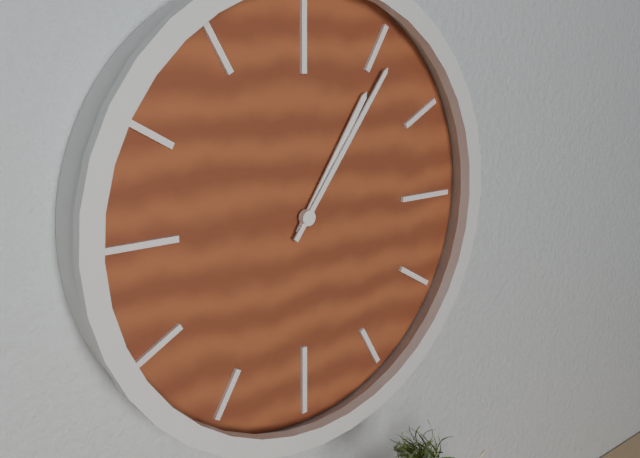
1:06
